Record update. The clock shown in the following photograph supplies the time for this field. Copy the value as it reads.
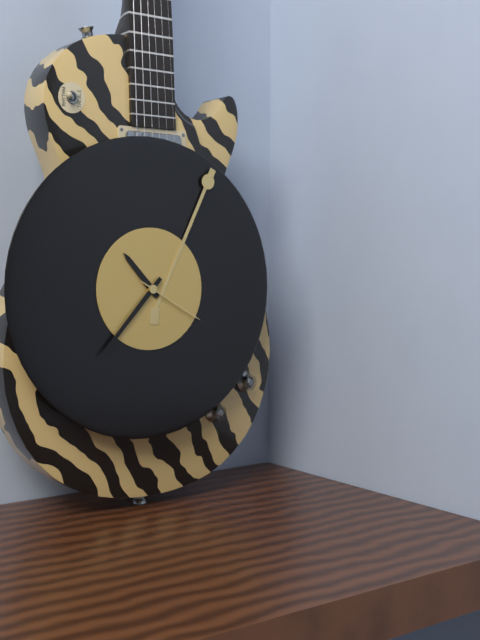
10:37:20
